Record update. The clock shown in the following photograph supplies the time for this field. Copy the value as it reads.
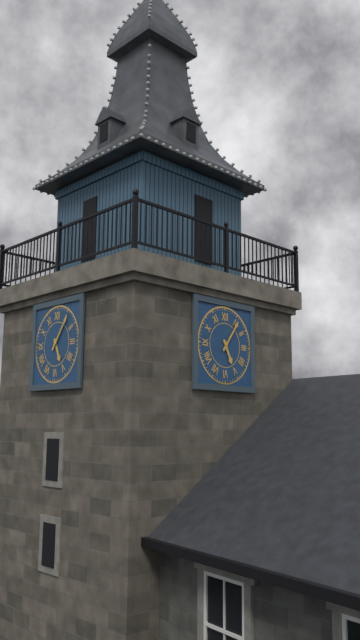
5:06
